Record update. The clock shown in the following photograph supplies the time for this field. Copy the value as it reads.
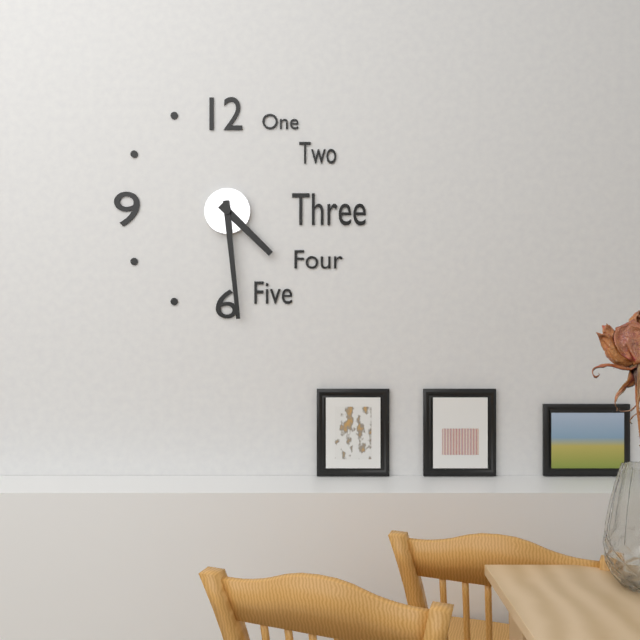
4:29
